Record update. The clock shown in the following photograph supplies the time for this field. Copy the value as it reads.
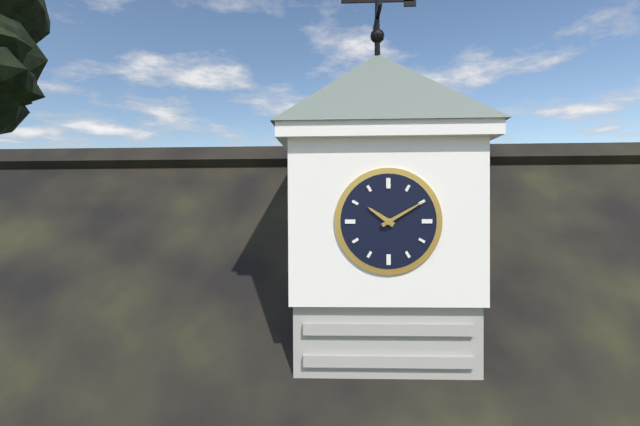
10:10
